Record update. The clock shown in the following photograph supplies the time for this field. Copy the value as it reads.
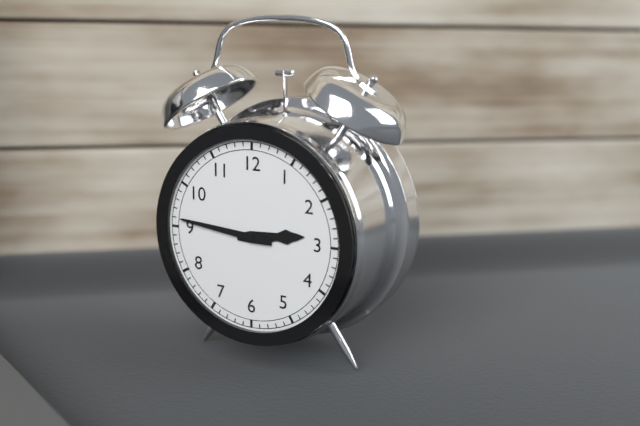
2:46
